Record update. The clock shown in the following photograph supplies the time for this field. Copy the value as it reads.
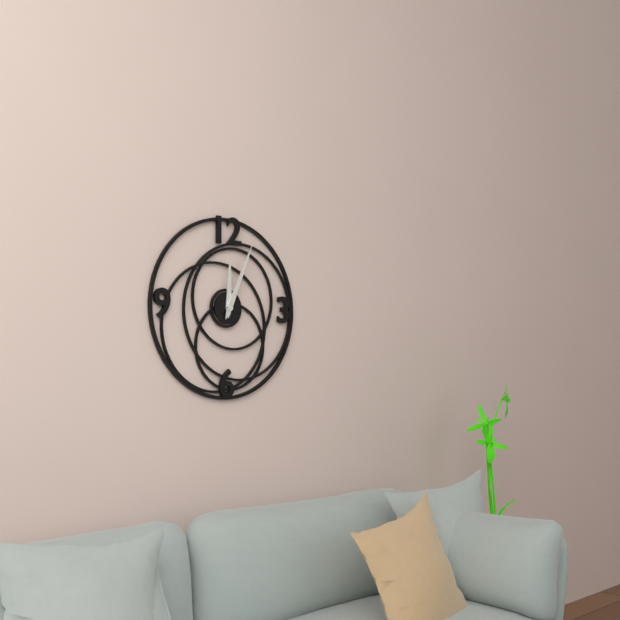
12:04
